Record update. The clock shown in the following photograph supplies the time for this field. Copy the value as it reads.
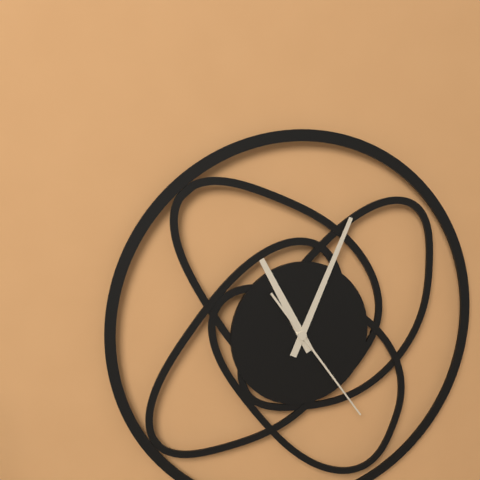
11:04:24
